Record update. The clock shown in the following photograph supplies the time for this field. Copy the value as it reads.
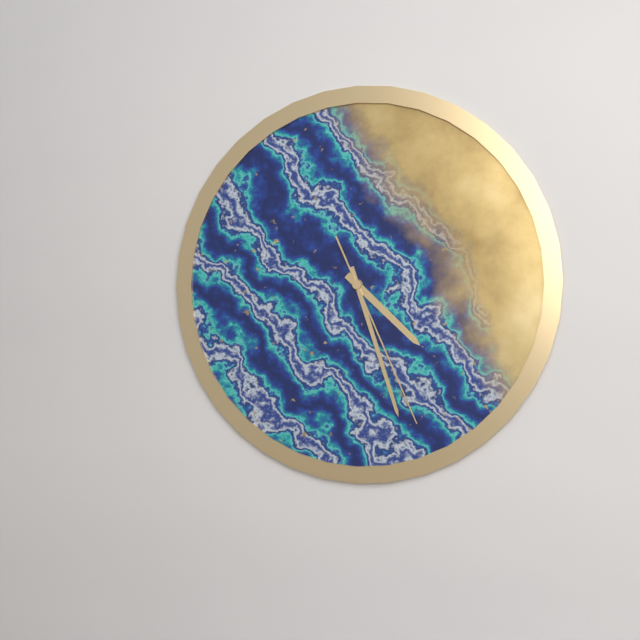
4:27:26
